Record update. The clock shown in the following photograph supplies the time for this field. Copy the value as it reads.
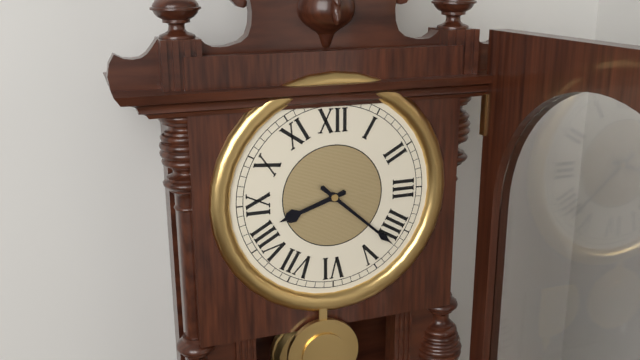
8:22
